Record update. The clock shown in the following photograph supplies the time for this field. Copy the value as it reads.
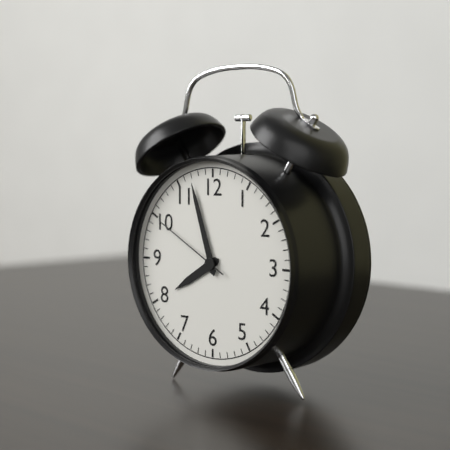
7:57:50
